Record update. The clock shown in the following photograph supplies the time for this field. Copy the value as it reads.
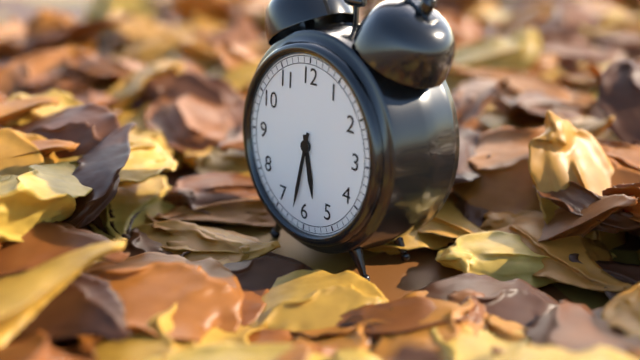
5:32
